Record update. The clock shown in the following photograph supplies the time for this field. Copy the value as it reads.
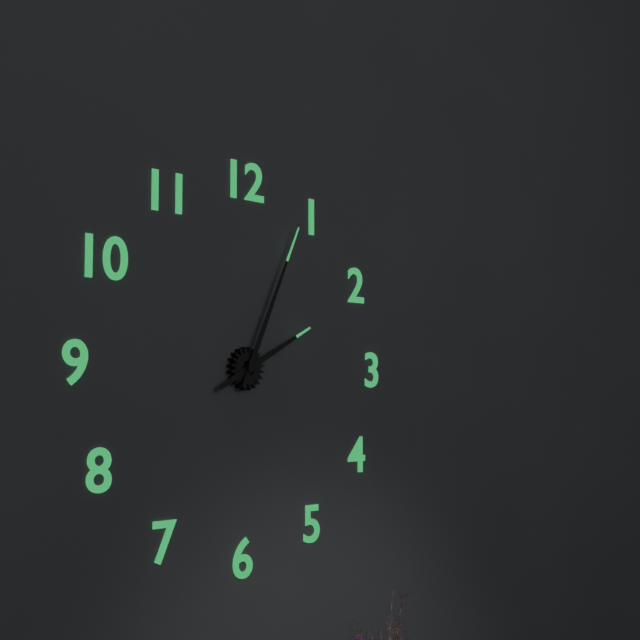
2:04
